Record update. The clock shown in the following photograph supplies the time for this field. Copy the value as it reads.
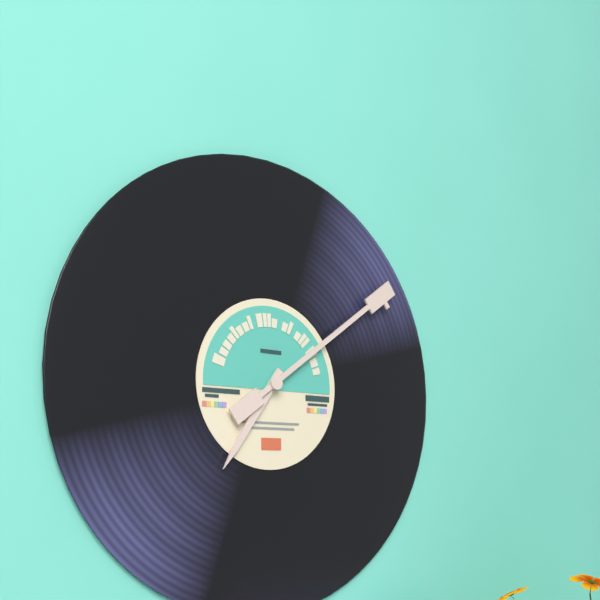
7:09
